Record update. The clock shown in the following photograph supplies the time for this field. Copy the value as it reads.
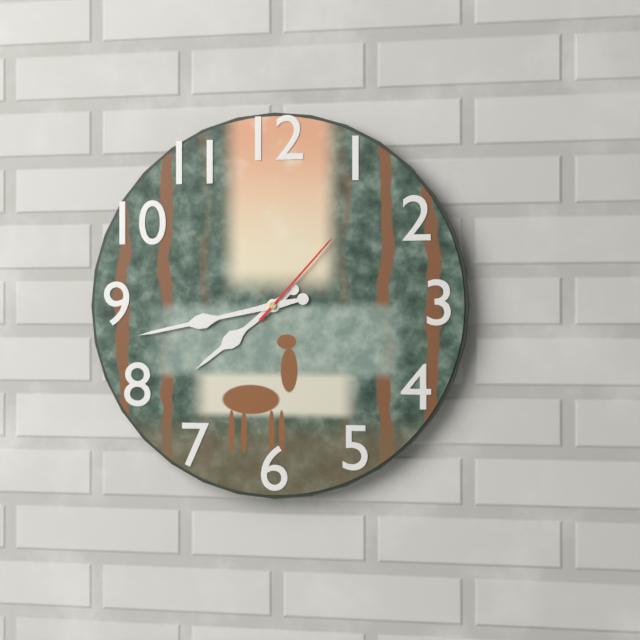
7:43:07
